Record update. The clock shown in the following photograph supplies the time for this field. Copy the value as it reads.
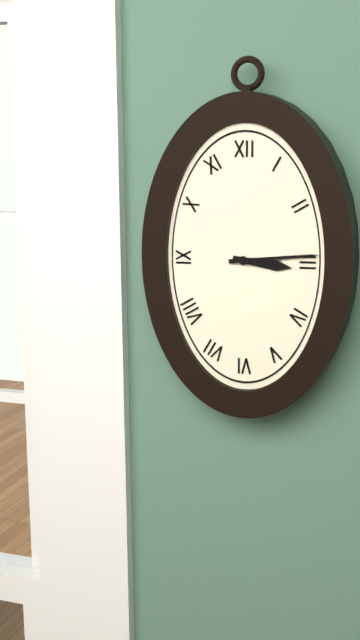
3:14
